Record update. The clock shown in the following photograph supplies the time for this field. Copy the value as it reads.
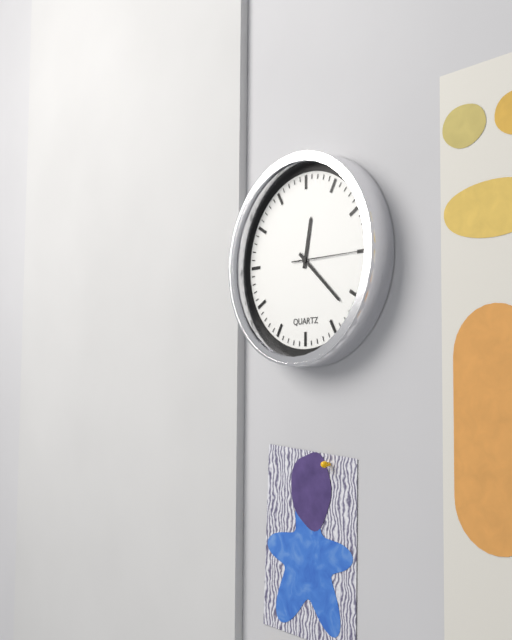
12:22:15
